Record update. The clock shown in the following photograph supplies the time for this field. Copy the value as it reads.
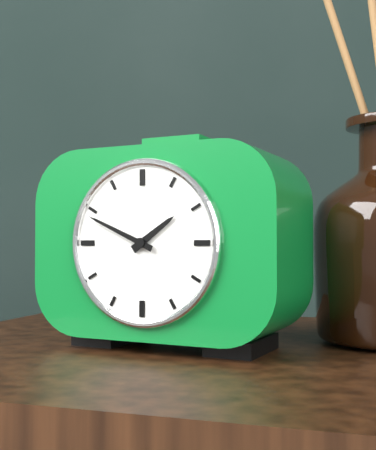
1:49
